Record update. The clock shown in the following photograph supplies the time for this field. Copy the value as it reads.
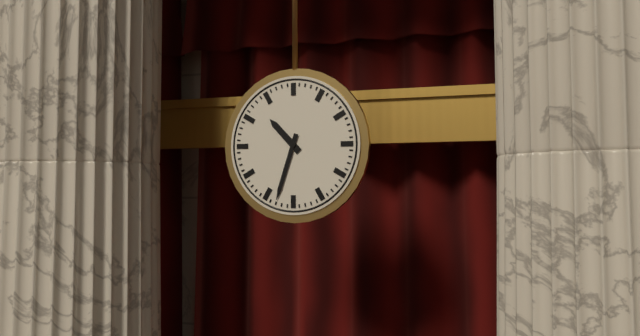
10:33
